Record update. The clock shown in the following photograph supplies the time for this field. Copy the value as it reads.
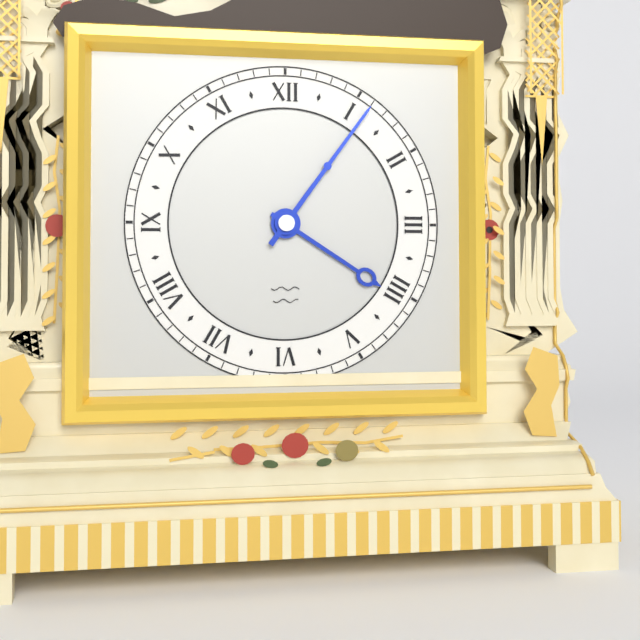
4:06
